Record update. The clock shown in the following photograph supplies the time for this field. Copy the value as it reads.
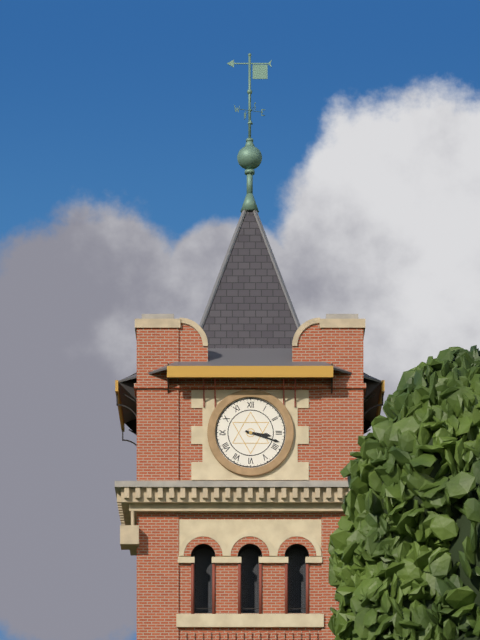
3:18
